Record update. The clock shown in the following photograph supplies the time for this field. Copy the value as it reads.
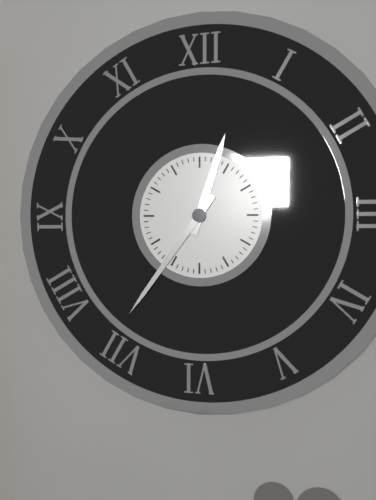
12:36
